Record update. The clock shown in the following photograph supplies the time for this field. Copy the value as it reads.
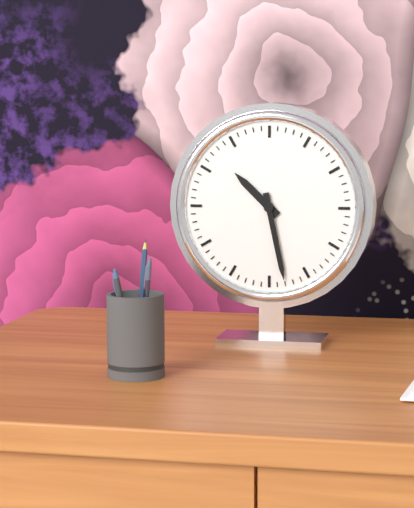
10:28
